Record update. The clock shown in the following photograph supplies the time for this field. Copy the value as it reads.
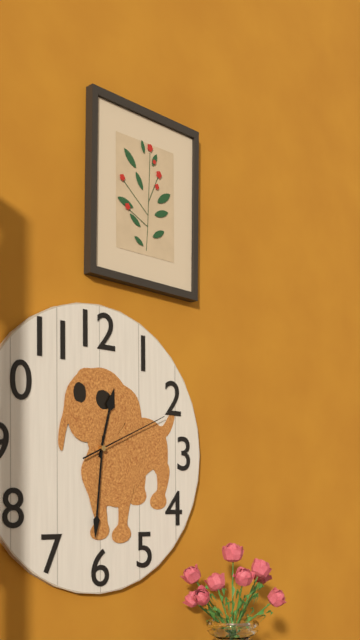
12:31:11
